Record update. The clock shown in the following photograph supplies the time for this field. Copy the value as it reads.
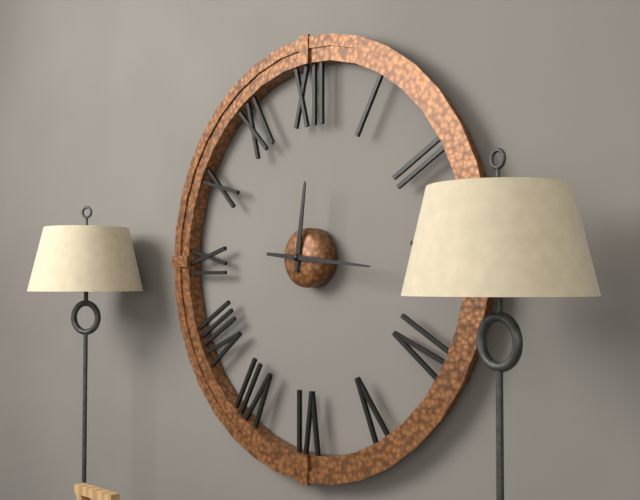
12:16
